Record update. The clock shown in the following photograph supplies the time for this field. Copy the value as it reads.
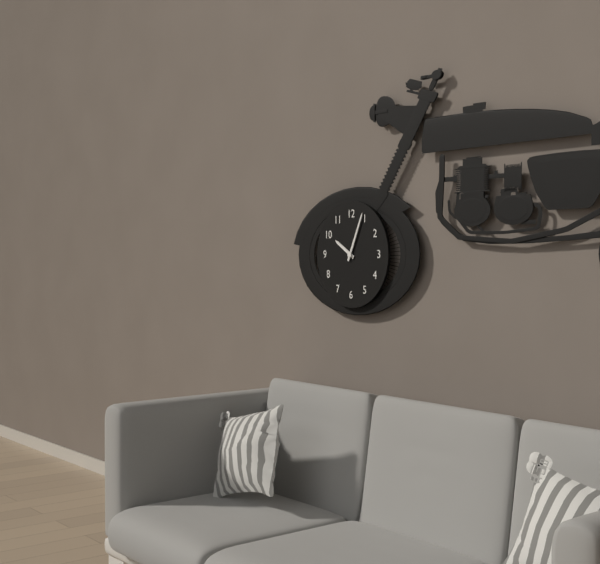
10:04
